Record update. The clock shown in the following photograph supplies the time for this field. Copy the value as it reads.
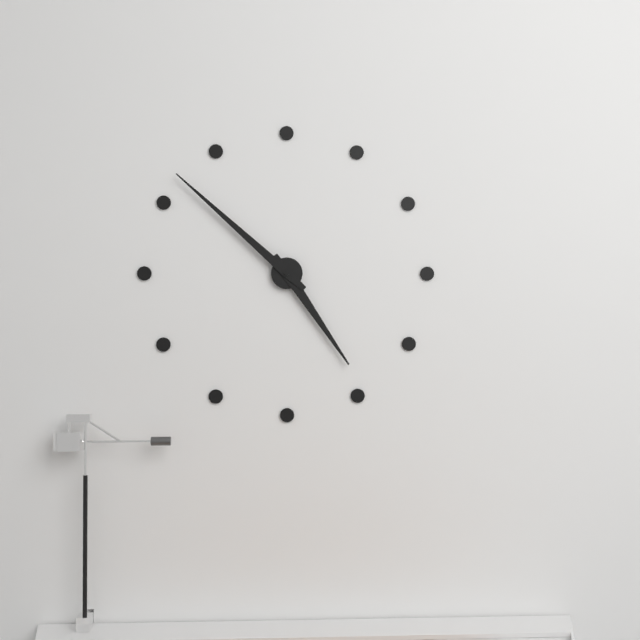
4:52
